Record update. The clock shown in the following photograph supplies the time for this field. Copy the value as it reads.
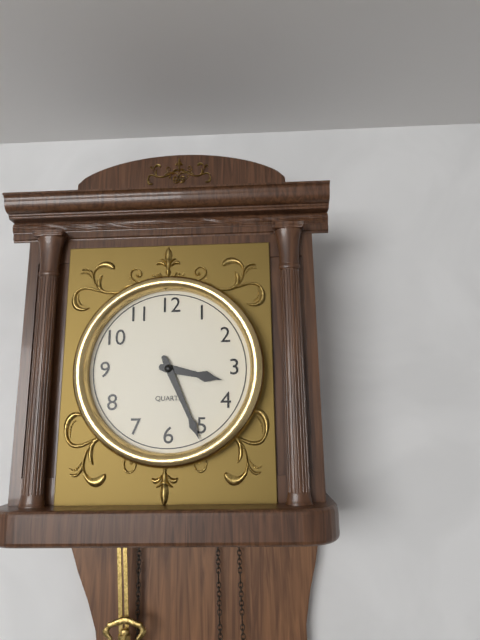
3:26
